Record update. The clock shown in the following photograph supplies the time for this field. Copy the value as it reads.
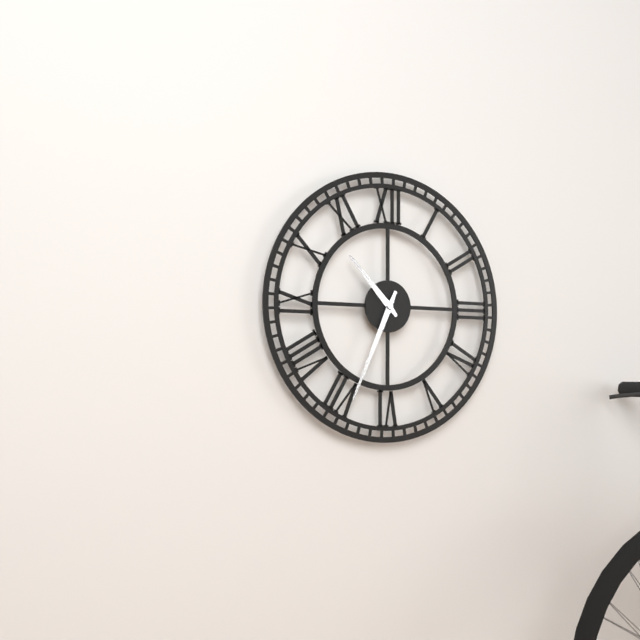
10:34
